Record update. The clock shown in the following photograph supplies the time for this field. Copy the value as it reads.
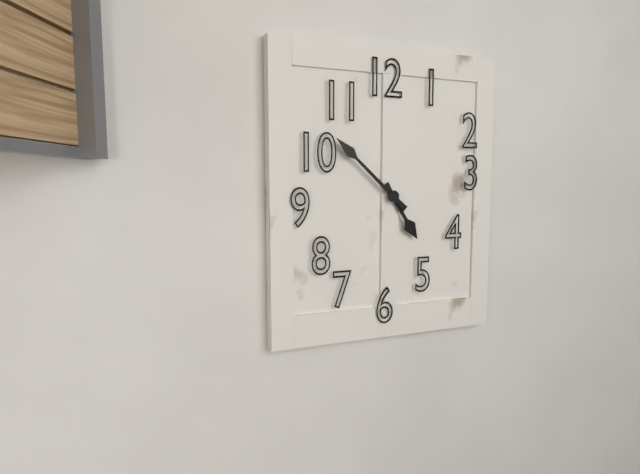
4:52
